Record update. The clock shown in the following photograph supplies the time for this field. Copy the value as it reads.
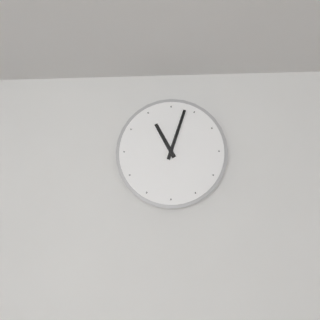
11:03
